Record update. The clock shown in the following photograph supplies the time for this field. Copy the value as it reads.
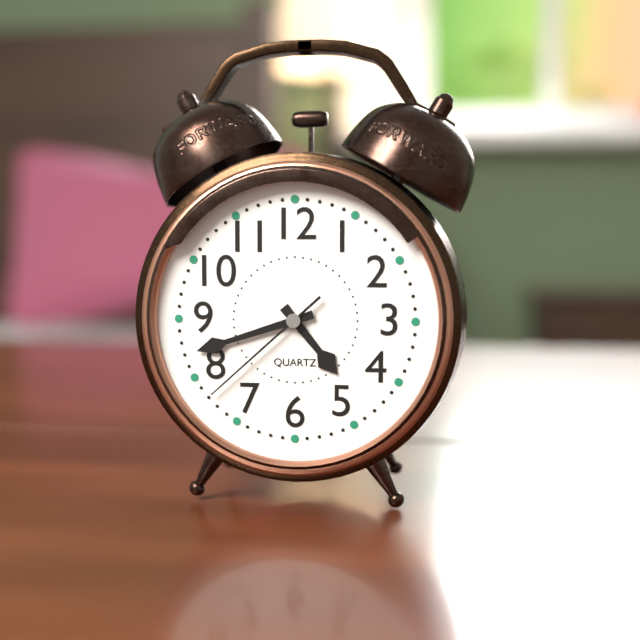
4:42:38
